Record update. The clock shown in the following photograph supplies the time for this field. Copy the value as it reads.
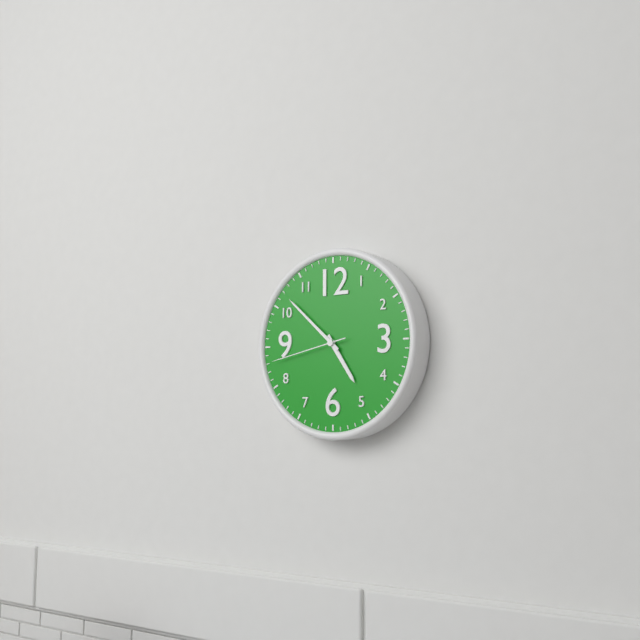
4:52:43
